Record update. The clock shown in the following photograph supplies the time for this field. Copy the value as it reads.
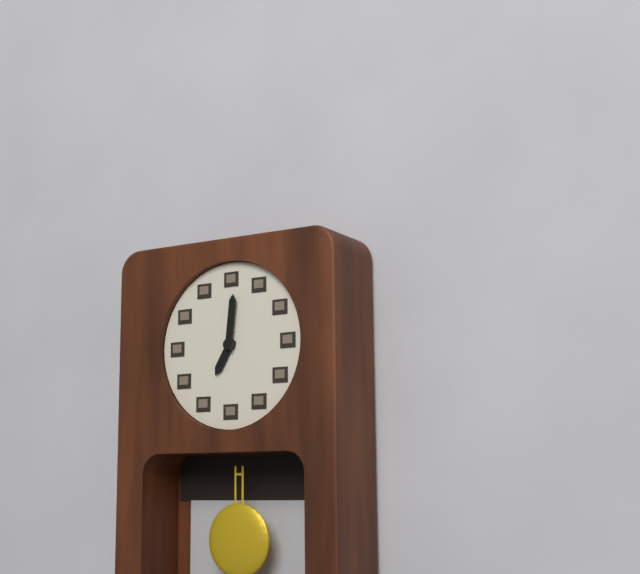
7:01
